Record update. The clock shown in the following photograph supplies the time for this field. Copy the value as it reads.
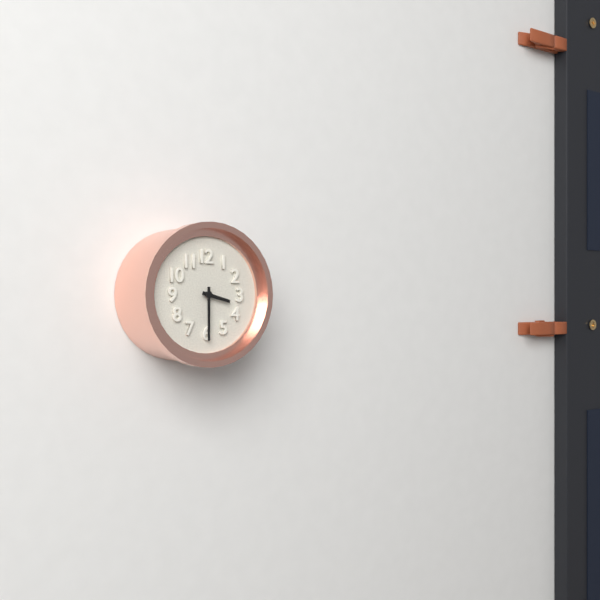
3:30
